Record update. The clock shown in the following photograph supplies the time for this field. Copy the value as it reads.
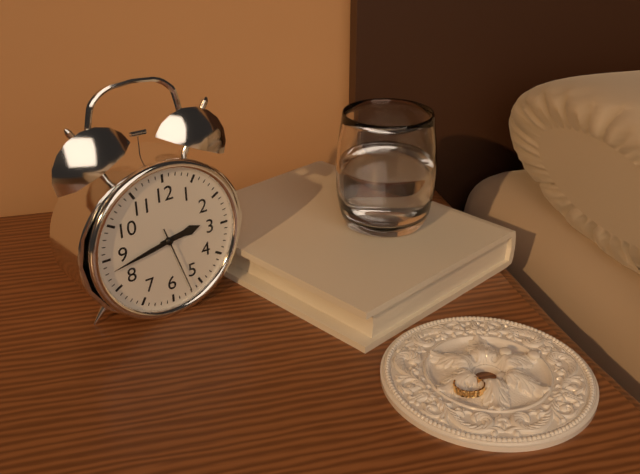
2:43:27
